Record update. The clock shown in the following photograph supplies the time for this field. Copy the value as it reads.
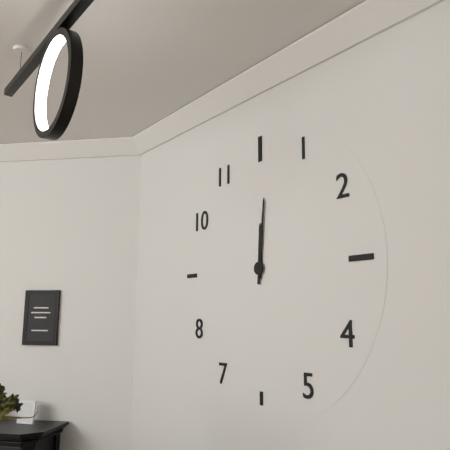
12:01
